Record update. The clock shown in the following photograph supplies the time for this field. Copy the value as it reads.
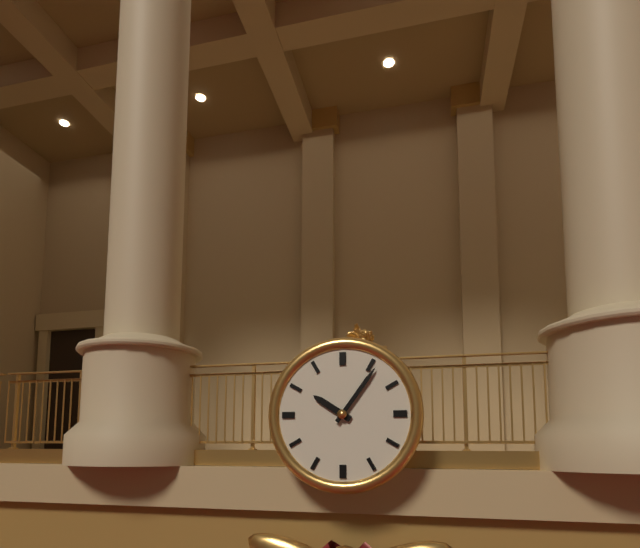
10:06
